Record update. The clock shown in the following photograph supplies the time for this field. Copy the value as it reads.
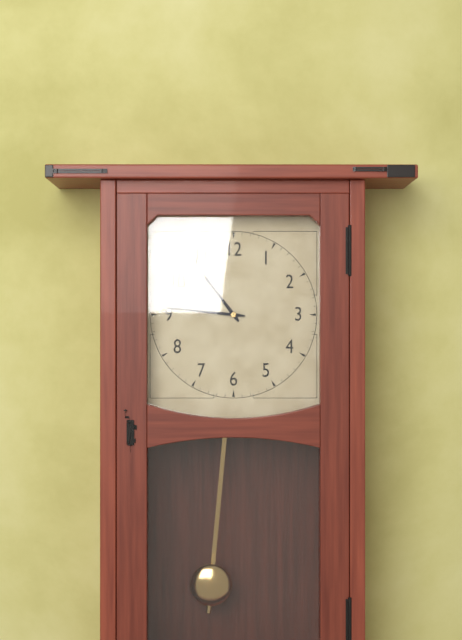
10:46
